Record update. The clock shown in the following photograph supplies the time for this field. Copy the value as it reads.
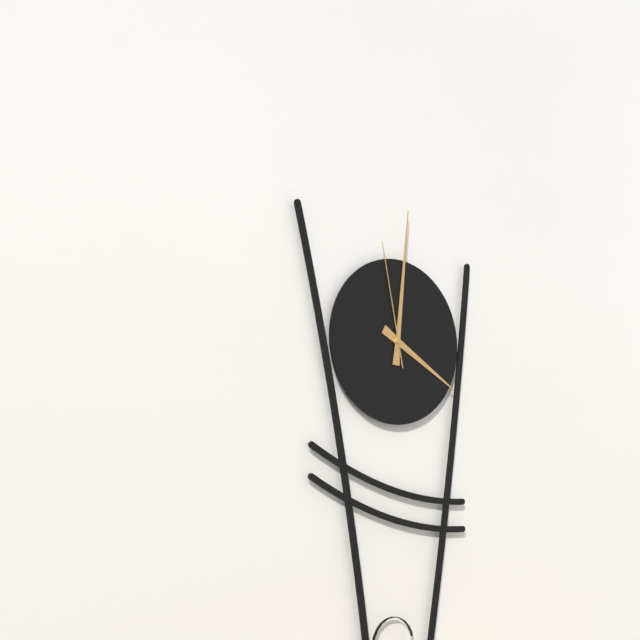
4:01:58
